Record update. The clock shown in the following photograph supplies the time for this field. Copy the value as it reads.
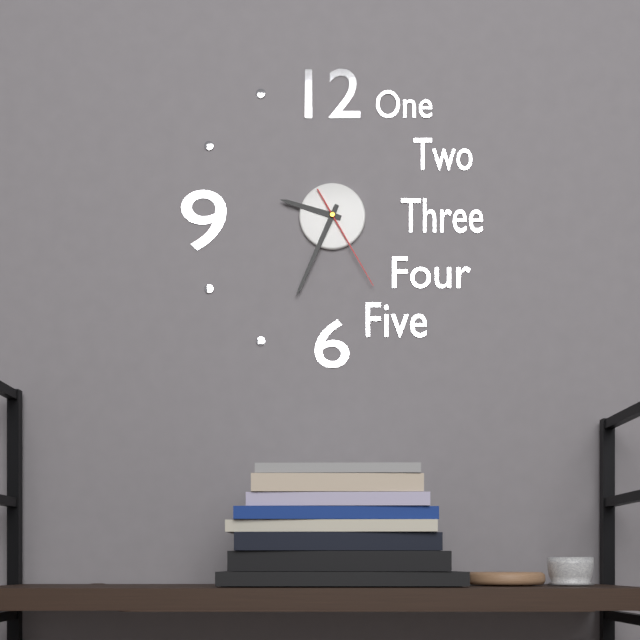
9:34:25
